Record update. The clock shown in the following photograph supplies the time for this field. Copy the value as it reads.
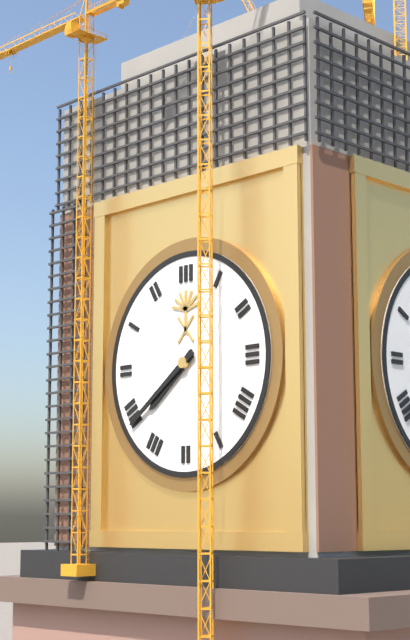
7:39
